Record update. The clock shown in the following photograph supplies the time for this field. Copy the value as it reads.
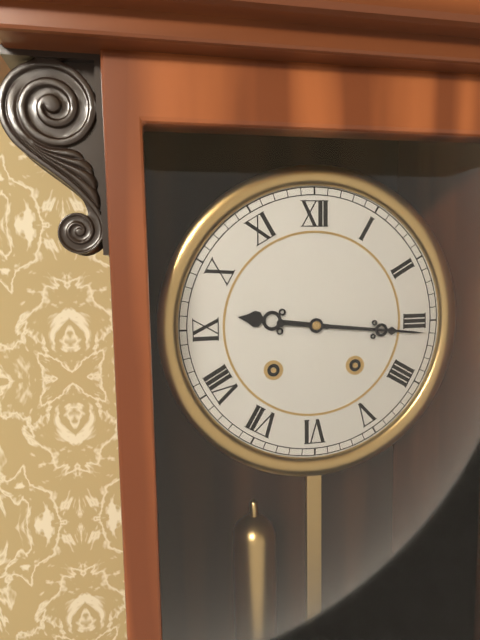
9:16
